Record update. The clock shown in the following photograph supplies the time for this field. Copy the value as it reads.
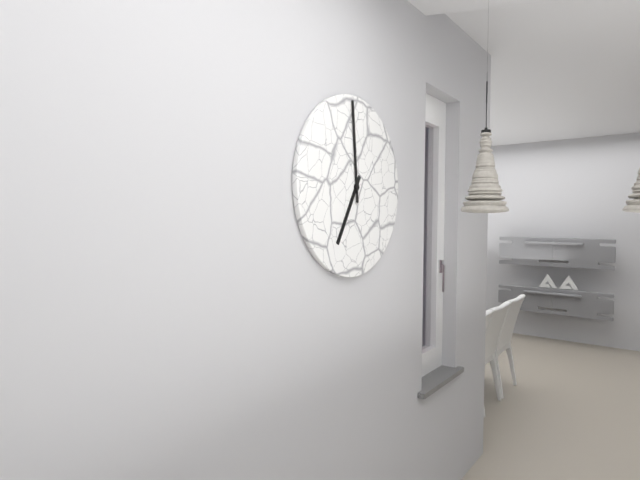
6:59
